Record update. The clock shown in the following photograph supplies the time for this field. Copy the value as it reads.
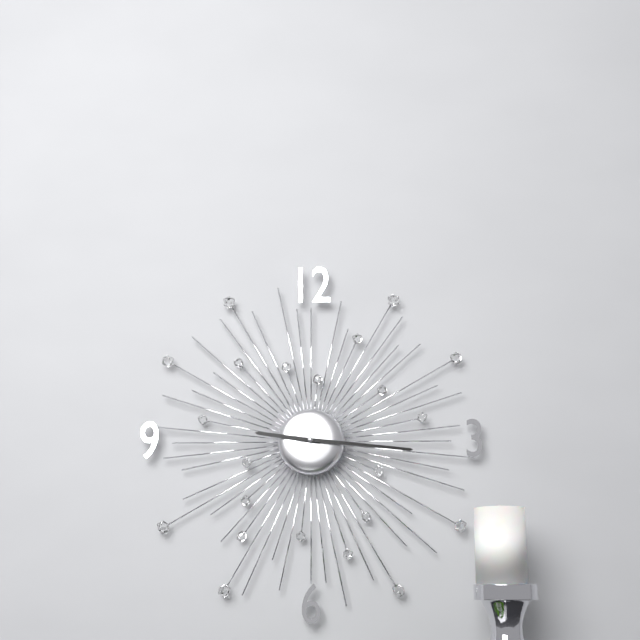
9:16
